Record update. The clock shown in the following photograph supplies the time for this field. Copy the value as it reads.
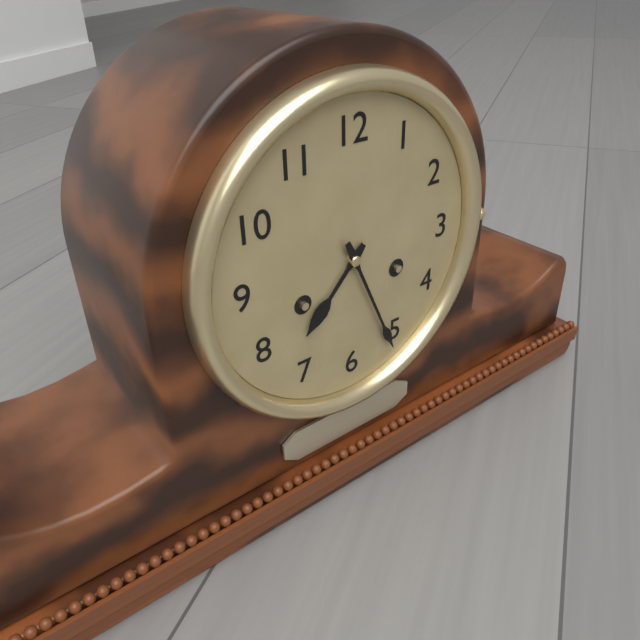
7:26
